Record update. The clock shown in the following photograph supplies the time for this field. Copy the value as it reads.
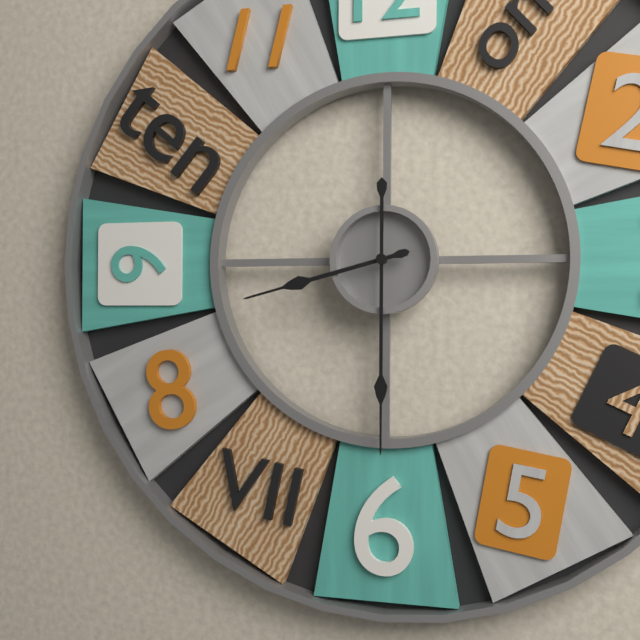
8:30
